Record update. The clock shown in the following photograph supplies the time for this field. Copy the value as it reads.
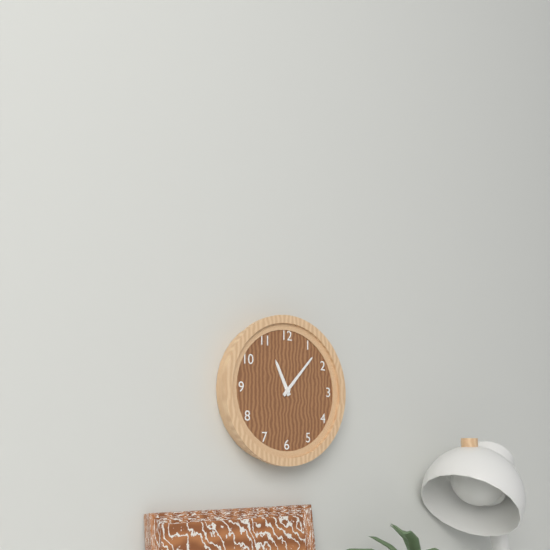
11:07
